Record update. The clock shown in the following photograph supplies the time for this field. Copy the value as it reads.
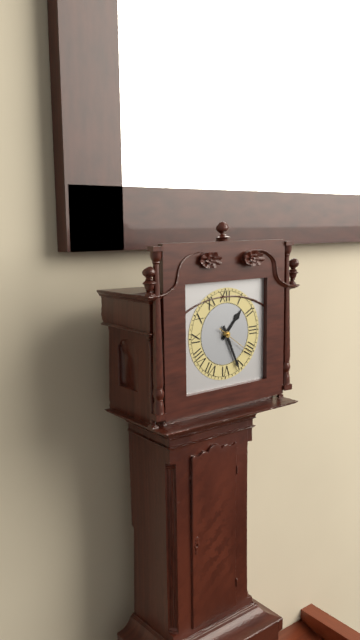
1:26
